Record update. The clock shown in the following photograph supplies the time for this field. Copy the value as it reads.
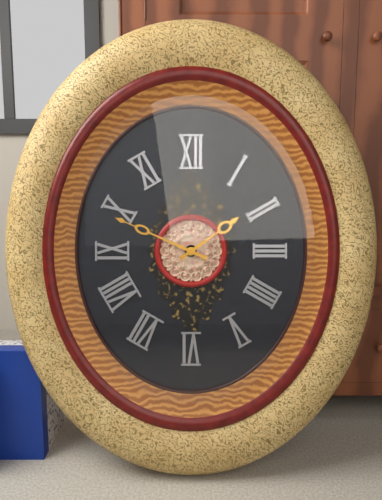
1:49
